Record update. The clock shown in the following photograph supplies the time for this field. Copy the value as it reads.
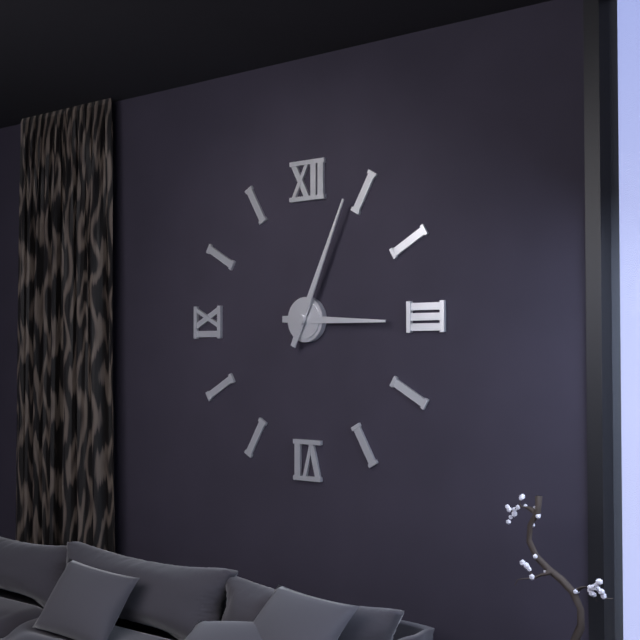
3:04
